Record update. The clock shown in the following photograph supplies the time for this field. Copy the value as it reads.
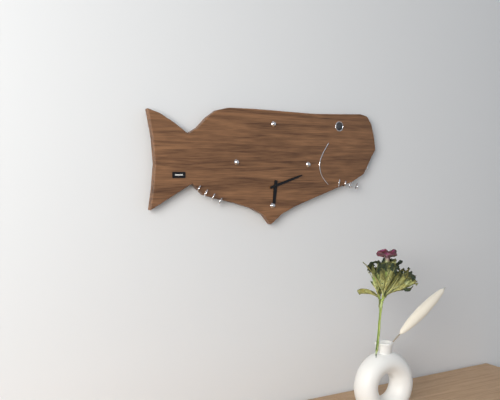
6:12
